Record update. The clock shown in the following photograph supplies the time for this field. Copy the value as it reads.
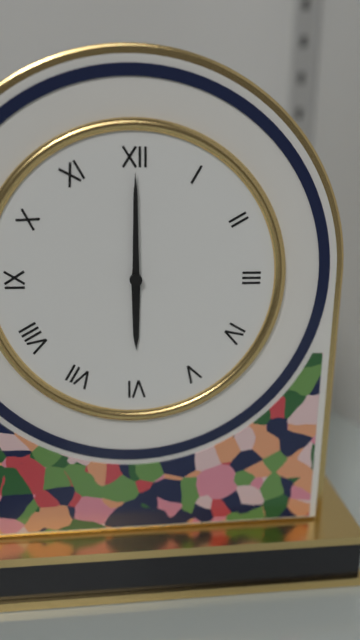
6:00
